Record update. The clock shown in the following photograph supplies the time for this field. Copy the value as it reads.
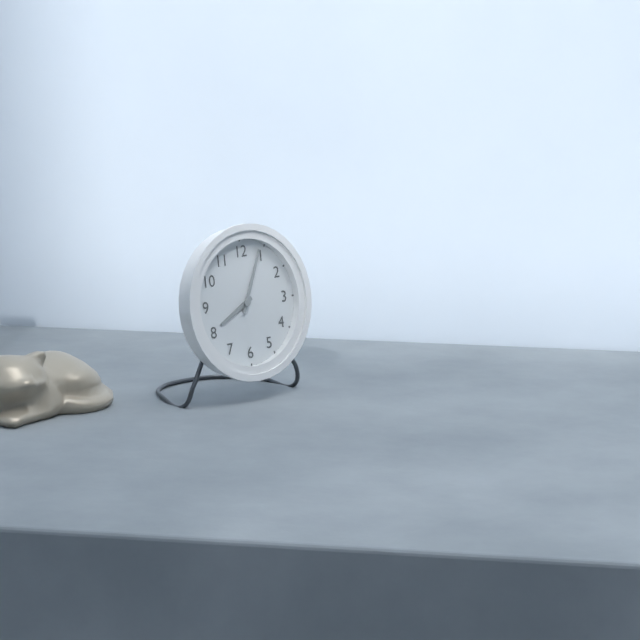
8:04
